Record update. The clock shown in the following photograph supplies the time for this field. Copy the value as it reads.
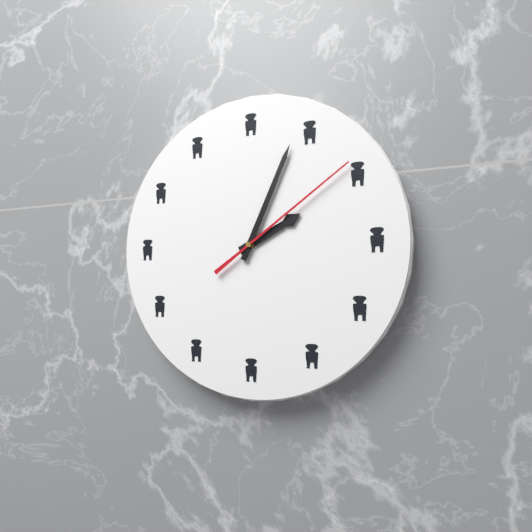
2:04:09
